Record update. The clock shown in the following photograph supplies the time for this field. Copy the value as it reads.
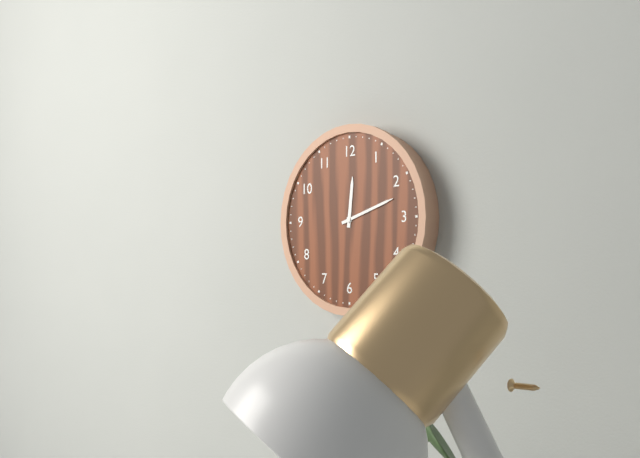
12:12
